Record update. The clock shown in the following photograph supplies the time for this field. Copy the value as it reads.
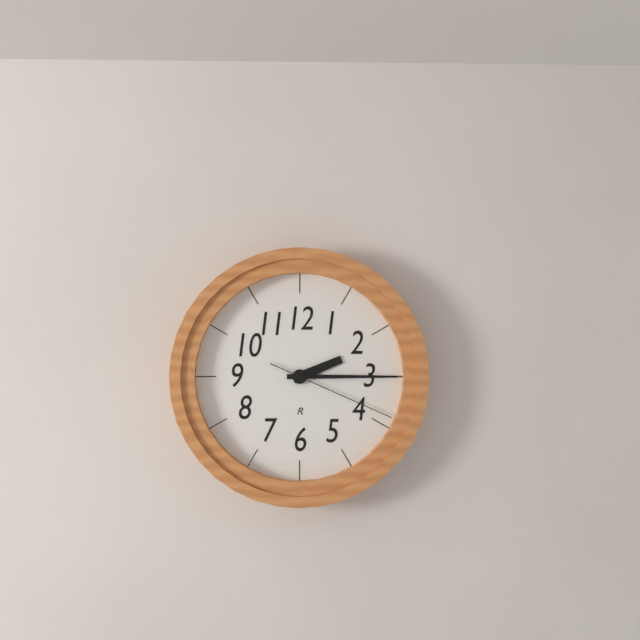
2:15:19
